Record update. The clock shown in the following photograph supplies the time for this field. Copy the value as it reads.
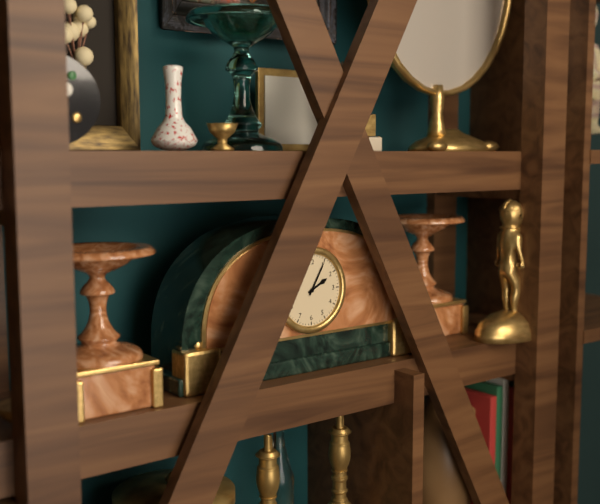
2:05
